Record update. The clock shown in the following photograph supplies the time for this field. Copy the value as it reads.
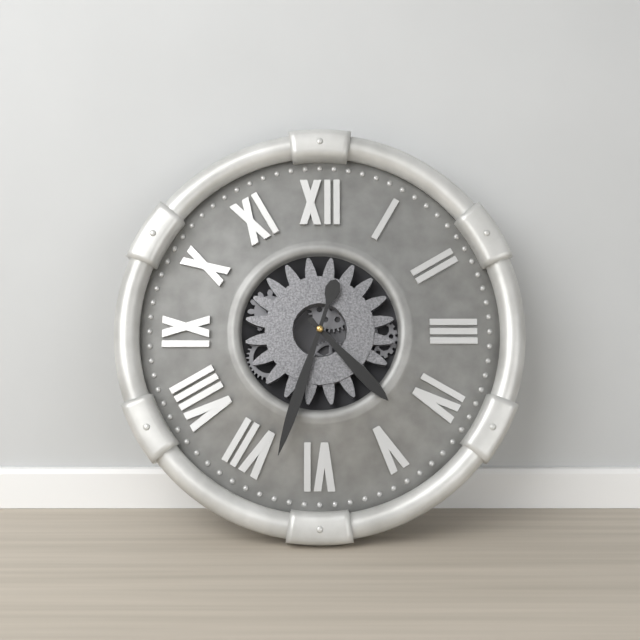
4:33
